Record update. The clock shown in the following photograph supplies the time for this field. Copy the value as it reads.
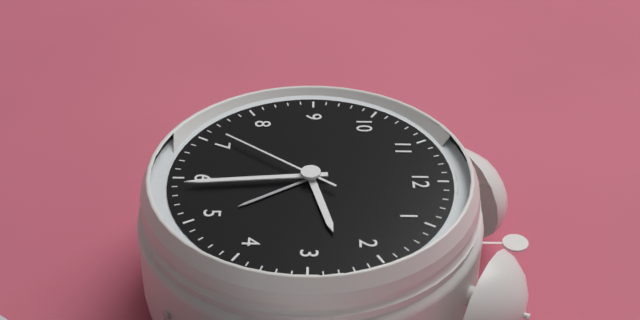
2:29:36
